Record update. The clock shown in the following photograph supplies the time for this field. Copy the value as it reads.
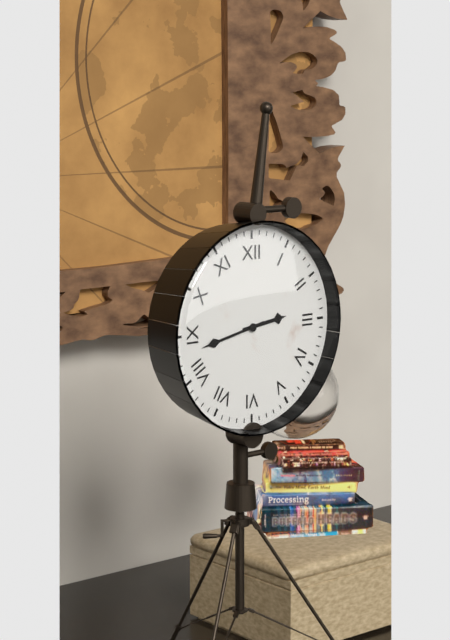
2:43
